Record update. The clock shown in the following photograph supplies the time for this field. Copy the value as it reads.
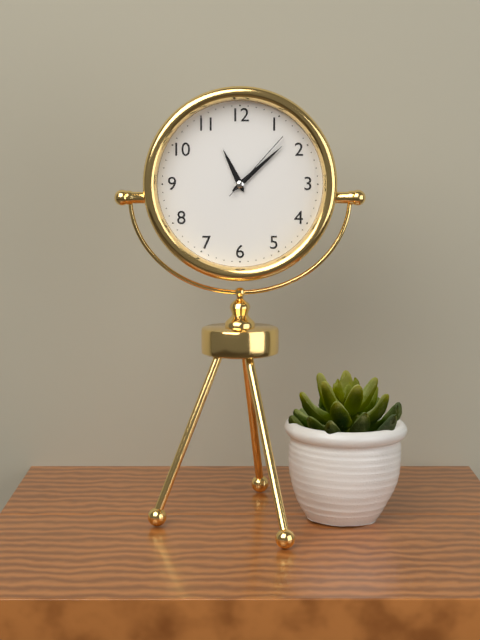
11:08:07
